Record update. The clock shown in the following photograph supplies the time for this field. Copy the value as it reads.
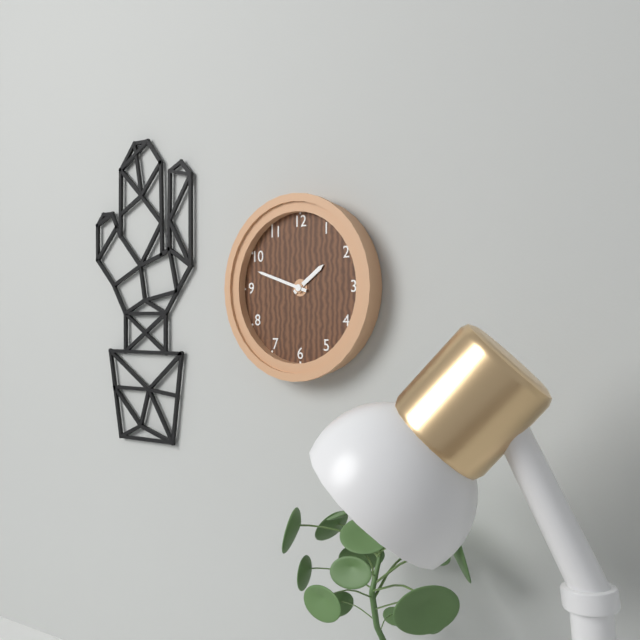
1:48
